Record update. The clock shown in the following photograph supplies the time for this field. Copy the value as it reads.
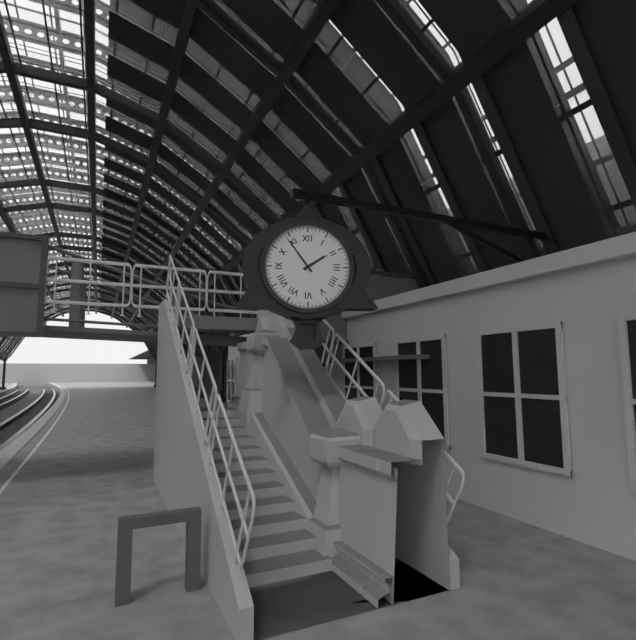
1:54
